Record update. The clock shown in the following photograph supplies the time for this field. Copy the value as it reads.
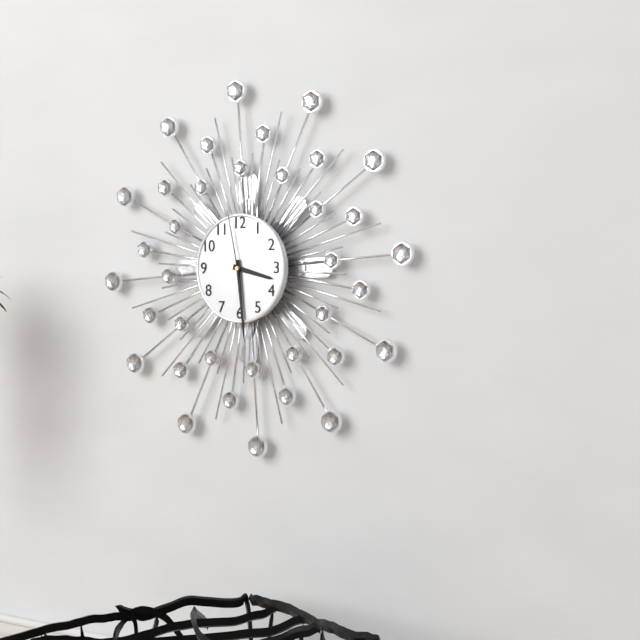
3:29:58
